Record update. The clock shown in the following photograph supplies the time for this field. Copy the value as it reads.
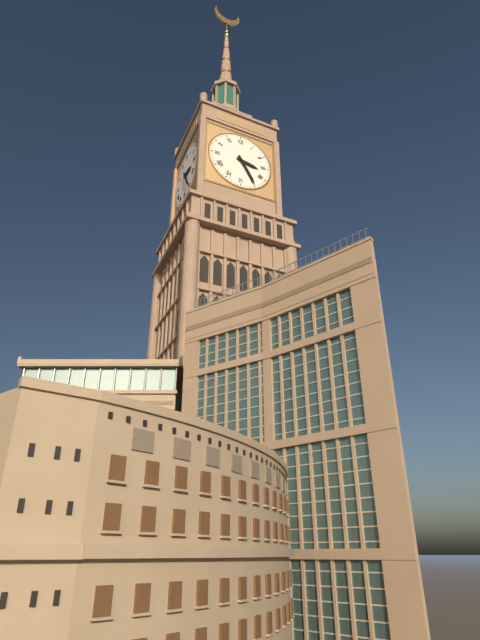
3:25
